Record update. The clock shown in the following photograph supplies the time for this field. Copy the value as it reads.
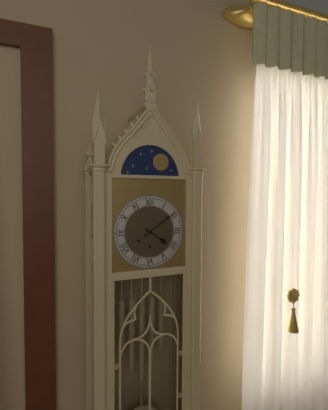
4:09
